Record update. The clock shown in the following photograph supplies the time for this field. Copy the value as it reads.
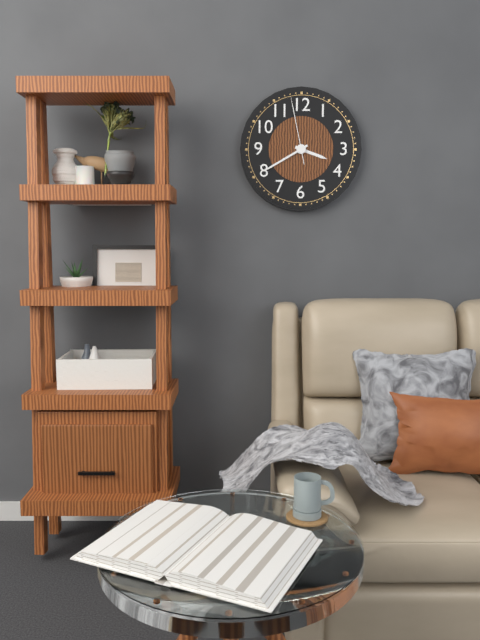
3:40:58
